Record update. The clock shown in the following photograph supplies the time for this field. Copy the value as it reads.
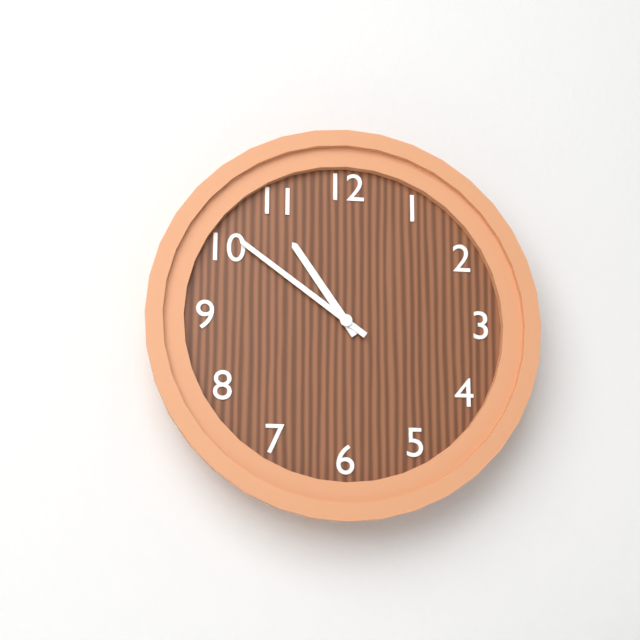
10:51
